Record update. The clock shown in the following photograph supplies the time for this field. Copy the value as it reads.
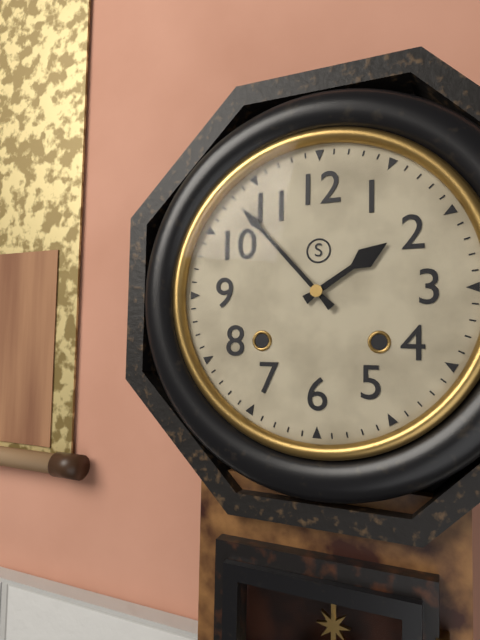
1:53
